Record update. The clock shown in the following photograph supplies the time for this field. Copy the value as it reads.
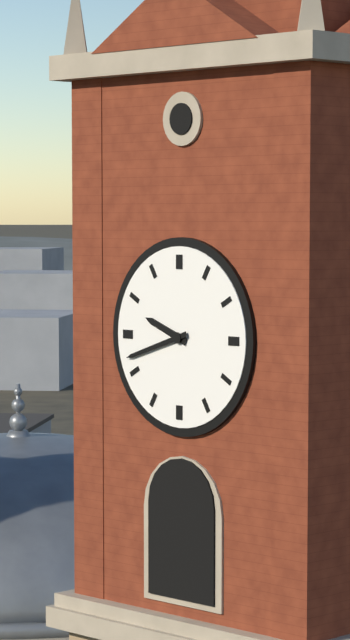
9:42
